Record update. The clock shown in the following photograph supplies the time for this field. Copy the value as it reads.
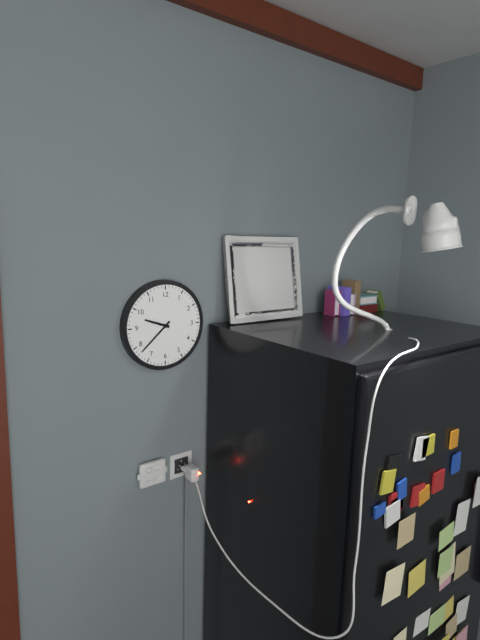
9:38
